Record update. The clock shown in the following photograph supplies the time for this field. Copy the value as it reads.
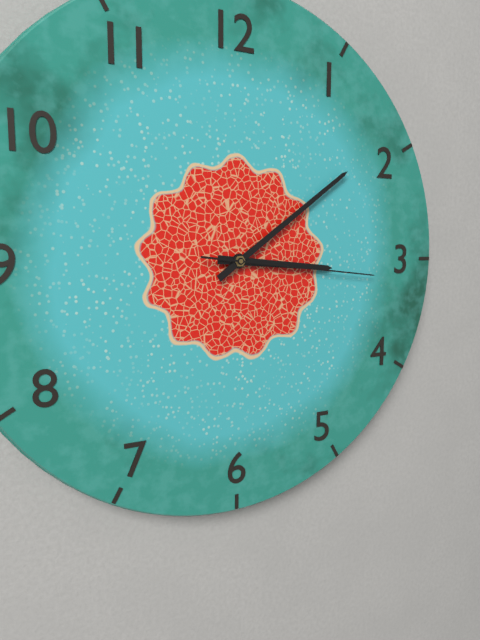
3:09:16
